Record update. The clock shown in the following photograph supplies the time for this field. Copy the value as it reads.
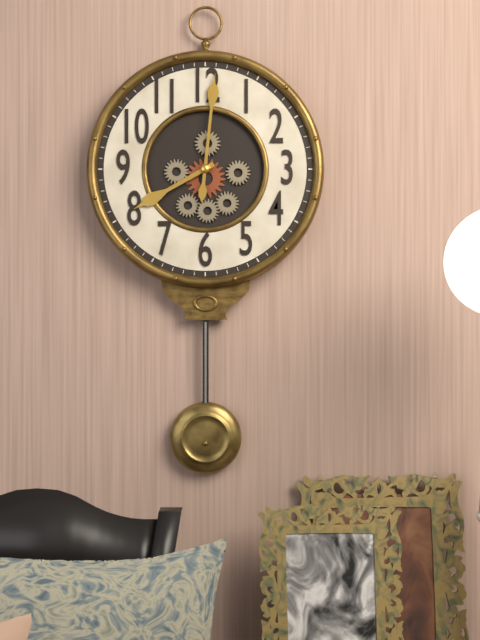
8:01
